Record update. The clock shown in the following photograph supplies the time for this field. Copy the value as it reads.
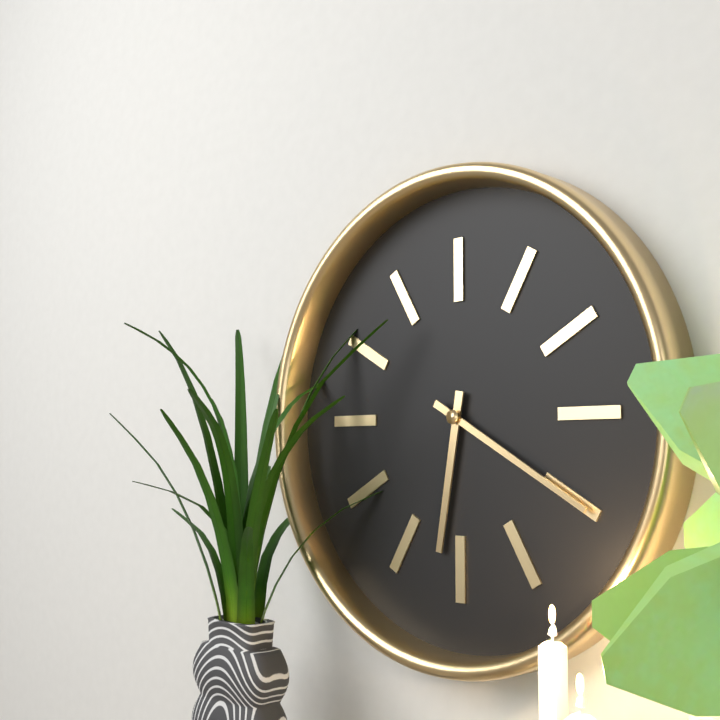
6:20
